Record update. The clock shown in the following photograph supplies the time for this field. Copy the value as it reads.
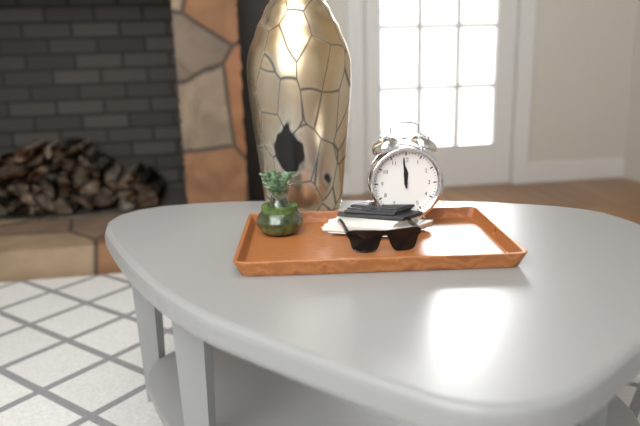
11:59
